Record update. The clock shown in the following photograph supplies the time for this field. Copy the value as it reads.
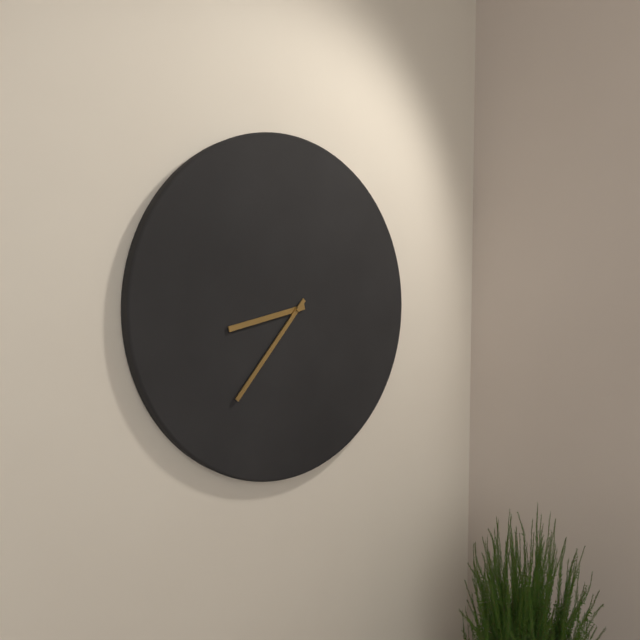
8:37
